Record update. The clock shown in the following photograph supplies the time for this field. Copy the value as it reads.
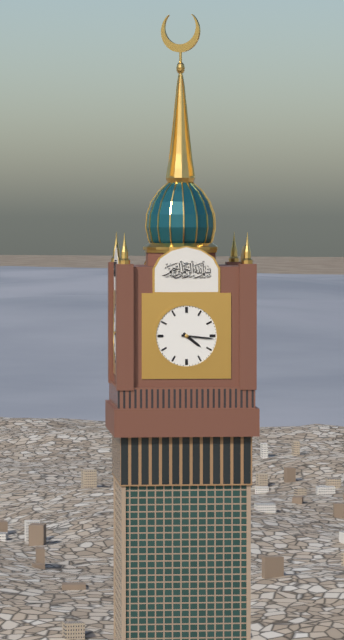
4:16
